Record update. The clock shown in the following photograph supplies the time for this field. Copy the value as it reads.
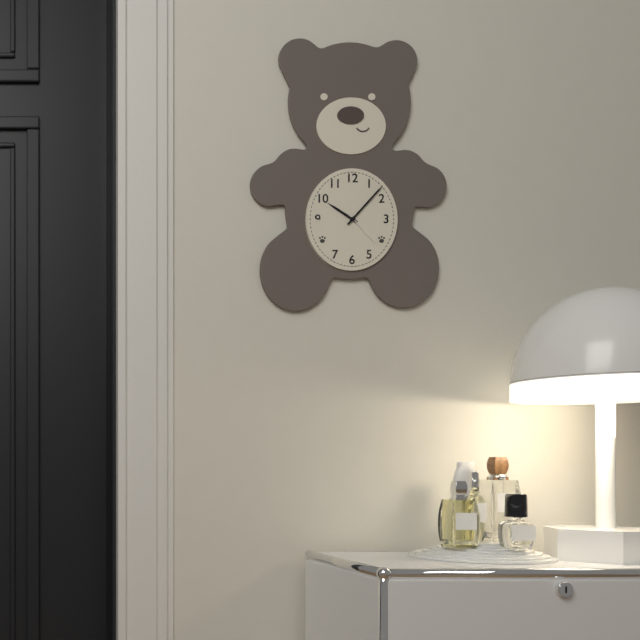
10:07
